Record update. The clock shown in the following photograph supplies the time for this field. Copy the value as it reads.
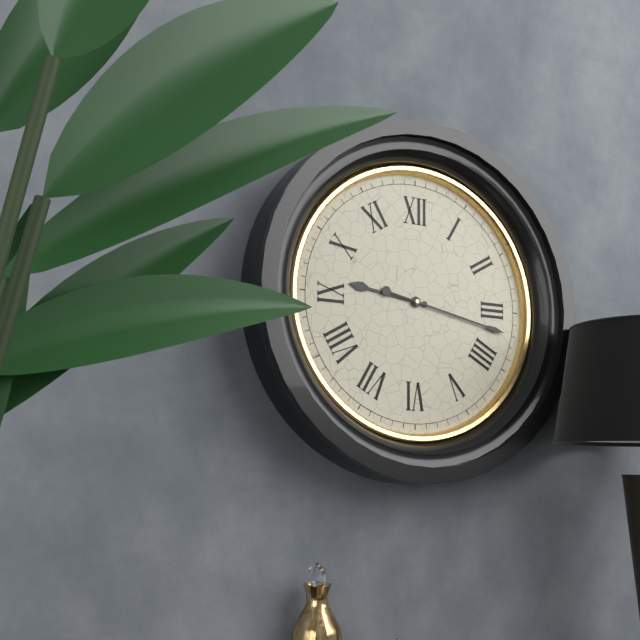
9:17
